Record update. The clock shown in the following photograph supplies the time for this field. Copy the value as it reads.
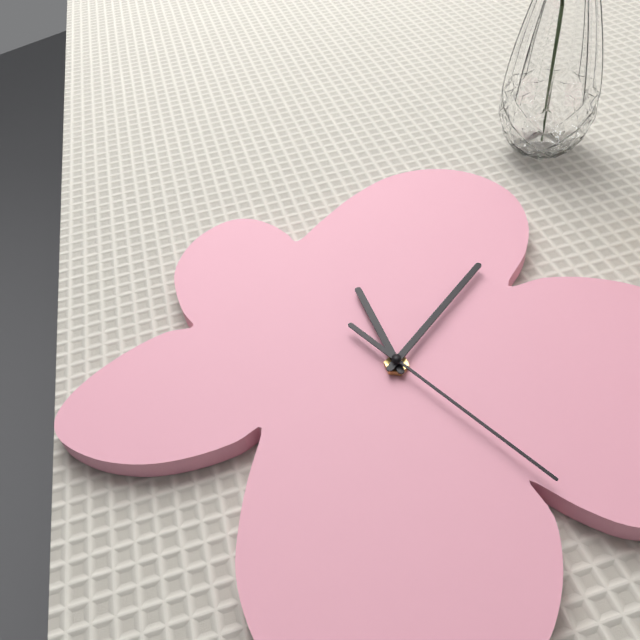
9:59:16
